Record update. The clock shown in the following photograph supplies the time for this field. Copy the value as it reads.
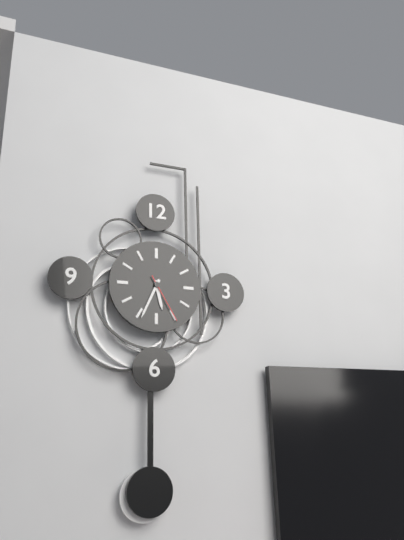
5:34:25
